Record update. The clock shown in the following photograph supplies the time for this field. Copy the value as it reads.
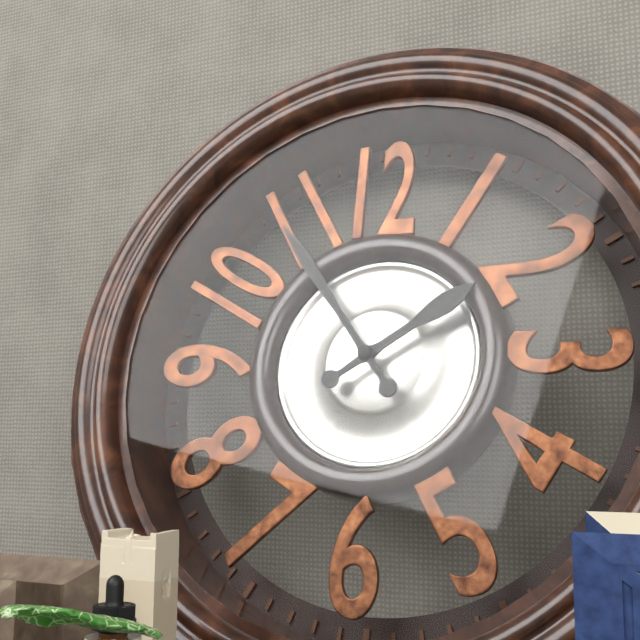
1:54
